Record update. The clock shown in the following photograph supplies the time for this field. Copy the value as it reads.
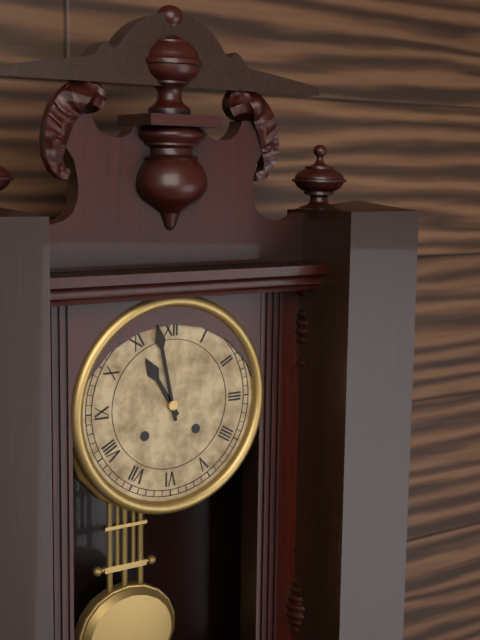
10:58
